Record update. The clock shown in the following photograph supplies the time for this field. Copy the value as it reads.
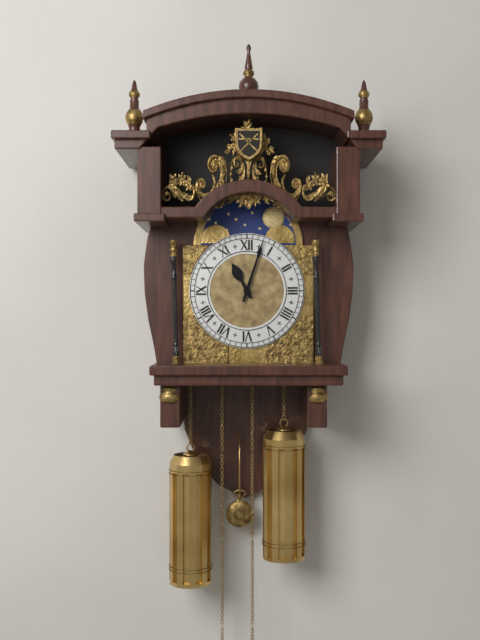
11:03
